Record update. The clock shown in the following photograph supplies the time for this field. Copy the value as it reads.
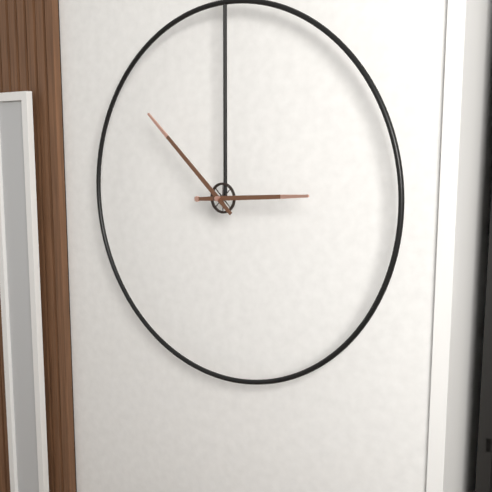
2:52
